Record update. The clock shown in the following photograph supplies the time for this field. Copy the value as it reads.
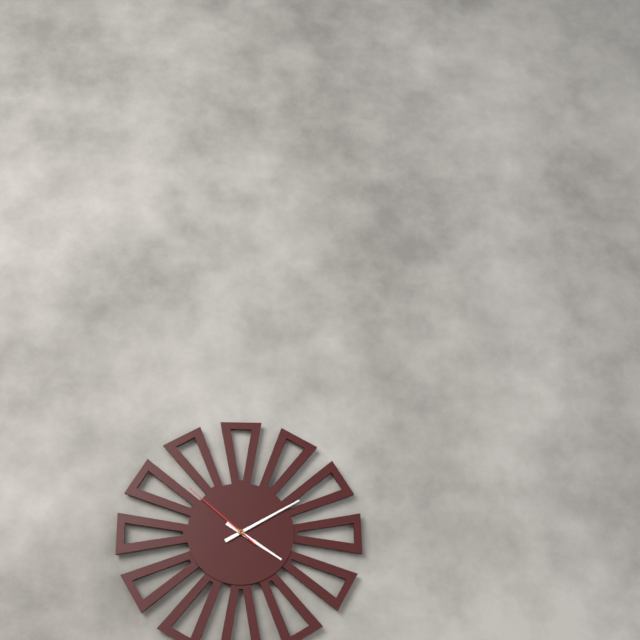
4:10:52
